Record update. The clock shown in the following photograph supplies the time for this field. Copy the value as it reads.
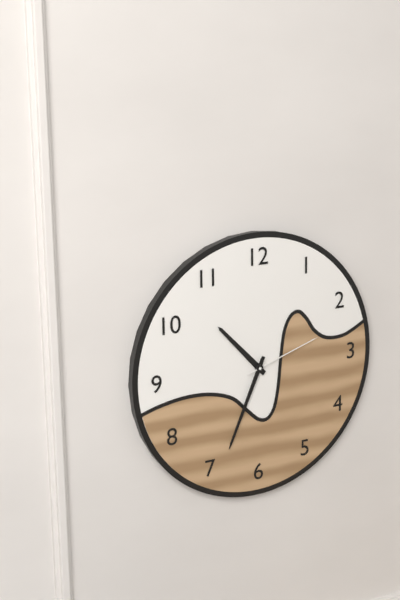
10:34:12
